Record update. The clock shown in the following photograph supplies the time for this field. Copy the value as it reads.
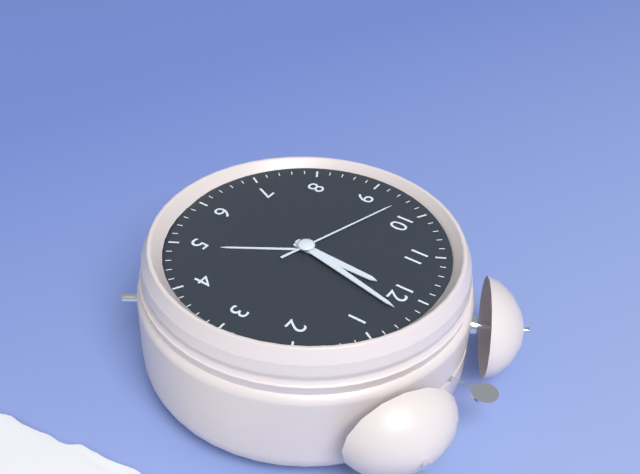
12:02:48
